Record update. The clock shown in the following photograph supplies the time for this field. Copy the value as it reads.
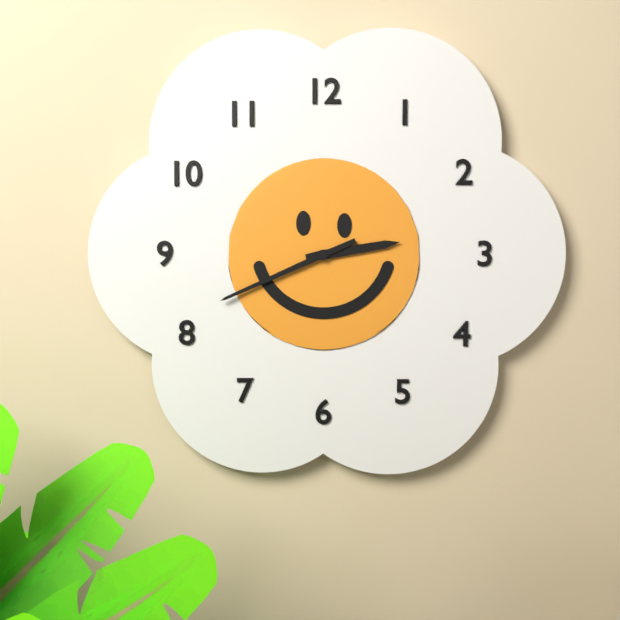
2:41
